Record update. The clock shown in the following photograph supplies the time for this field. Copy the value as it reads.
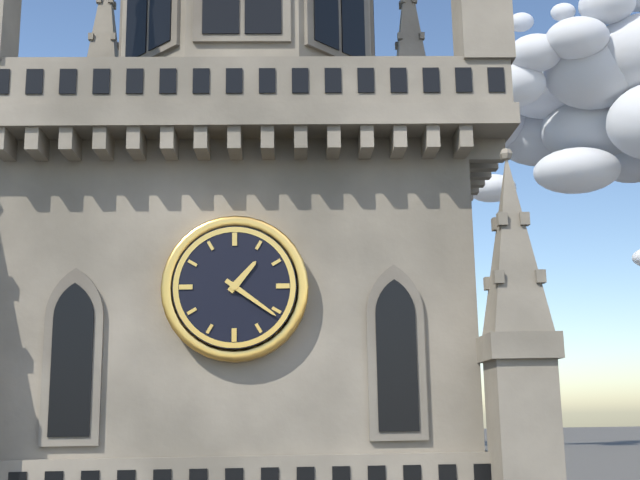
1:21
